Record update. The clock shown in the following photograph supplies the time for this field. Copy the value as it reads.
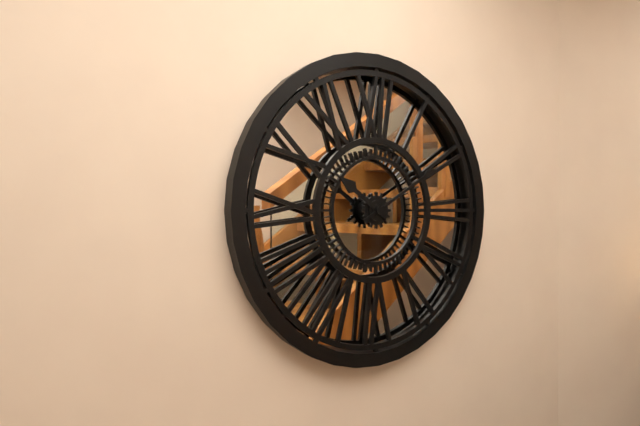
10:10
